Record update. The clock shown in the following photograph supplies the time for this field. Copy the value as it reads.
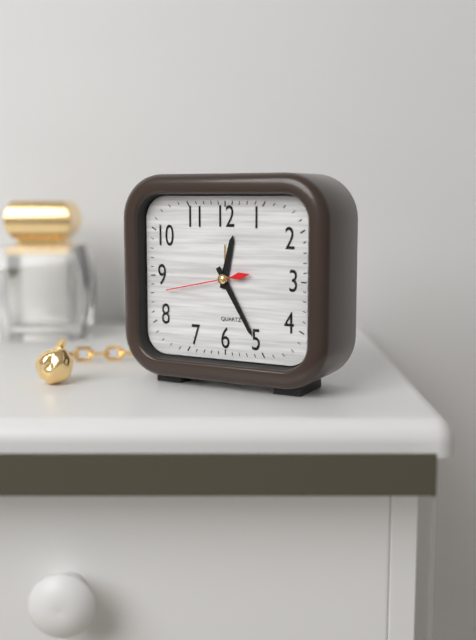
12:25:43
